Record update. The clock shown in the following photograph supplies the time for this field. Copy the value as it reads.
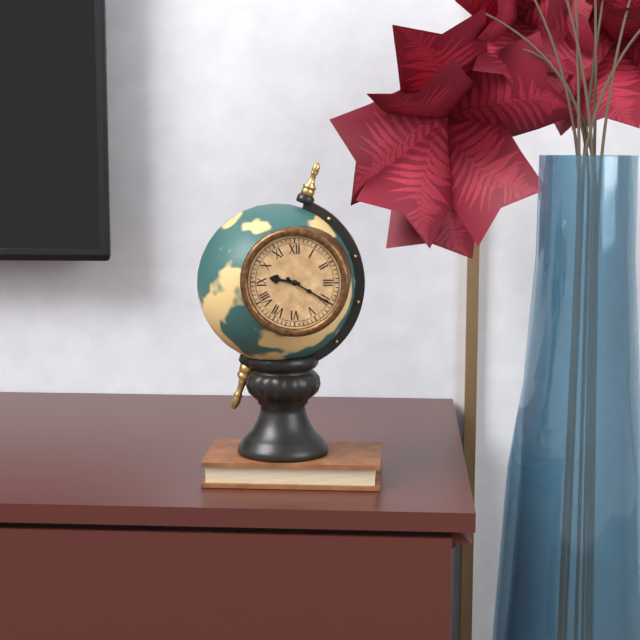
9:20
